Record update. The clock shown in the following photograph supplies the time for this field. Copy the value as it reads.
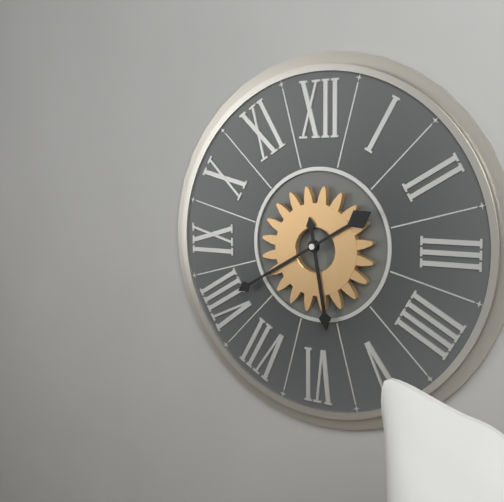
5:40
